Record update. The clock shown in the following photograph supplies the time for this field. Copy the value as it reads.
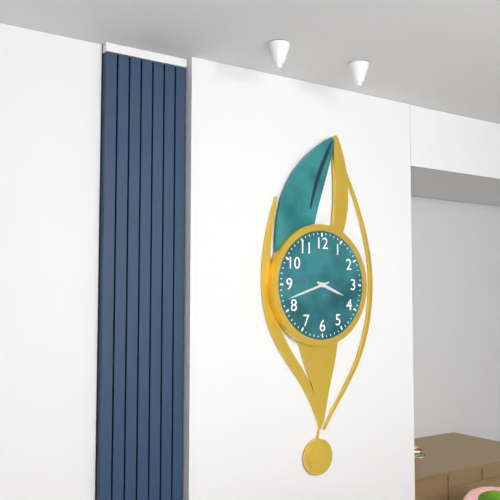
3:42
